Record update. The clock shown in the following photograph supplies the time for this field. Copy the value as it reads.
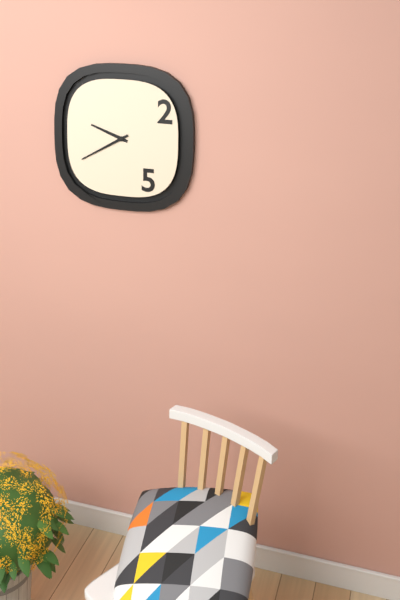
9:40
